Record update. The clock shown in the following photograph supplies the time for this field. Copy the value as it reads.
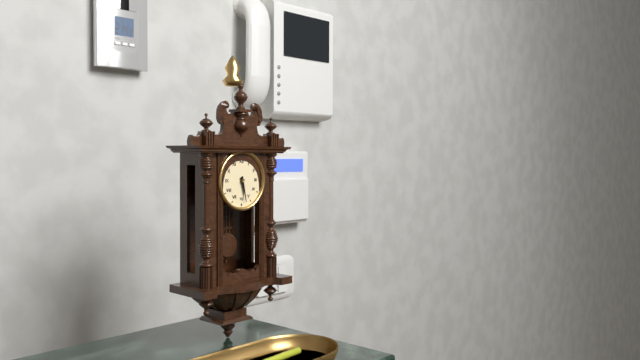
5:28
